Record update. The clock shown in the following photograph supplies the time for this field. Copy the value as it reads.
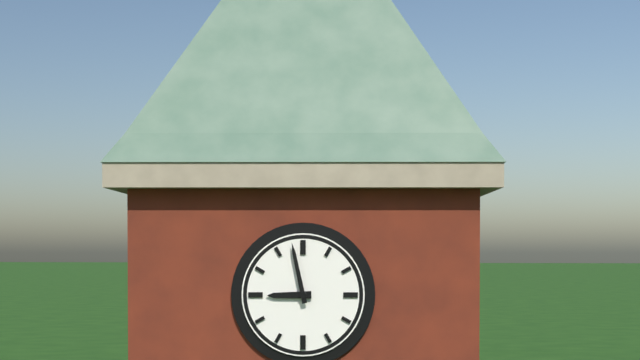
8:58
